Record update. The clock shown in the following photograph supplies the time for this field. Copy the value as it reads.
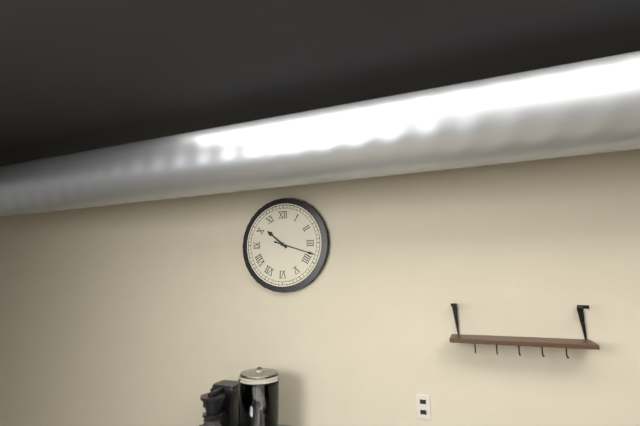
10:18
